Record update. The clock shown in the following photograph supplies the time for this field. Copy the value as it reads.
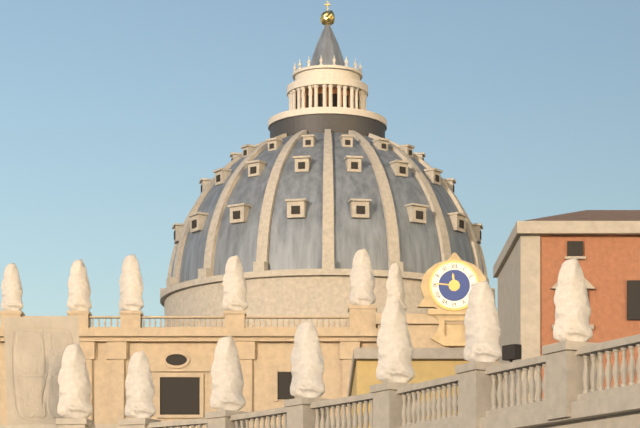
11:46
